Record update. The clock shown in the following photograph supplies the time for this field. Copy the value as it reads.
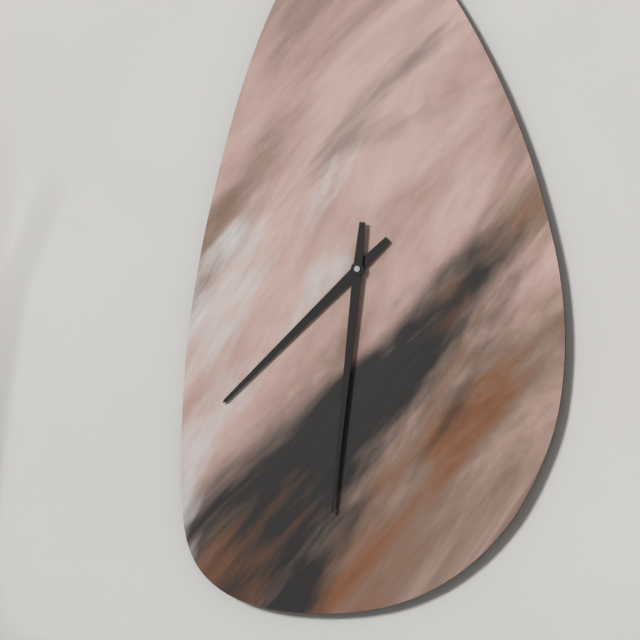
7:31
